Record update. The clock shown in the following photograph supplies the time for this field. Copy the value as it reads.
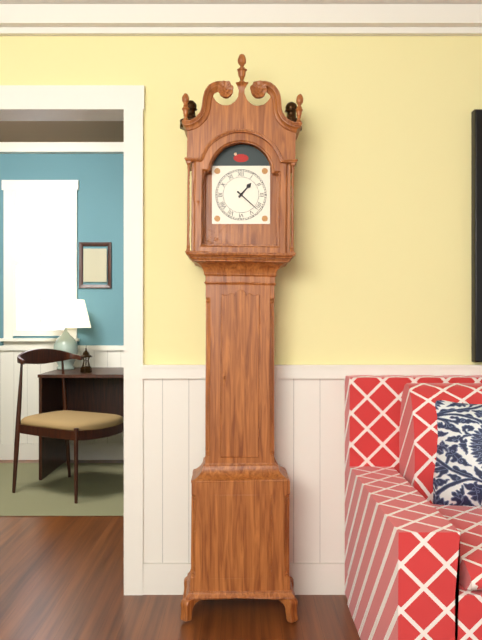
1:22
